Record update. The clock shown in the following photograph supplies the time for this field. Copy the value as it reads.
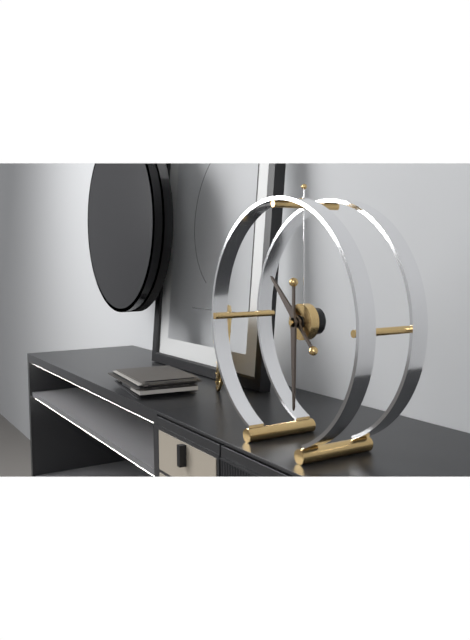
10:30
